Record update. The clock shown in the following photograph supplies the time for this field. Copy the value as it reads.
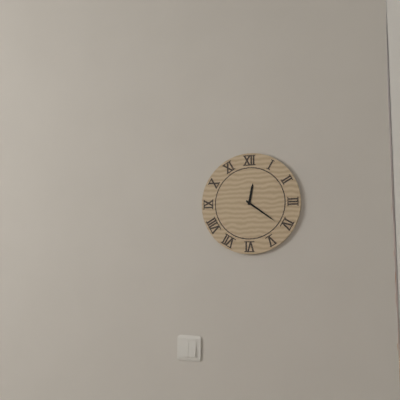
12:21
